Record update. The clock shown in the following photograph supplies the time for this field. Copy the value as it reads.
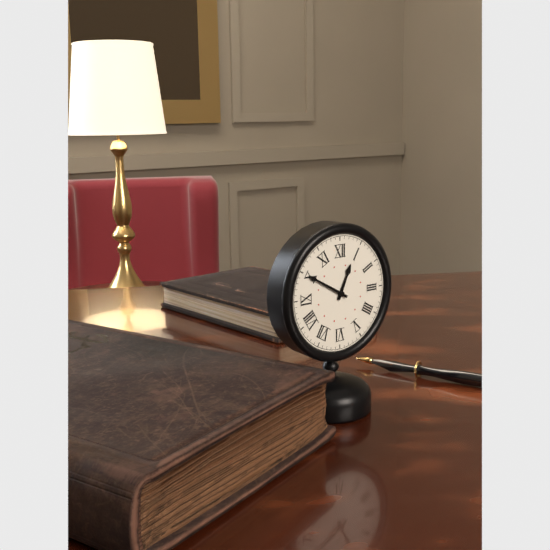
12:50
